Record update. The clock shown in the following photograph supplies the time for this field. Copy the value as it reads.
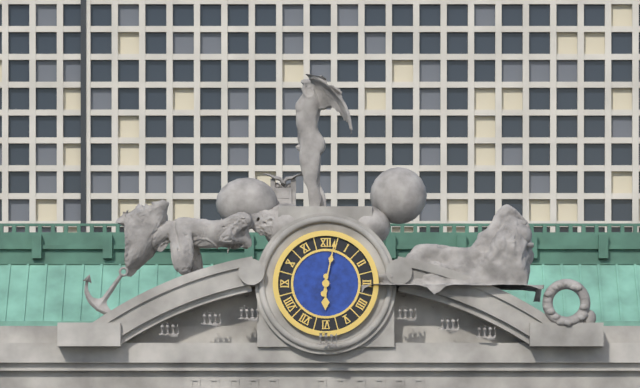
6:02
